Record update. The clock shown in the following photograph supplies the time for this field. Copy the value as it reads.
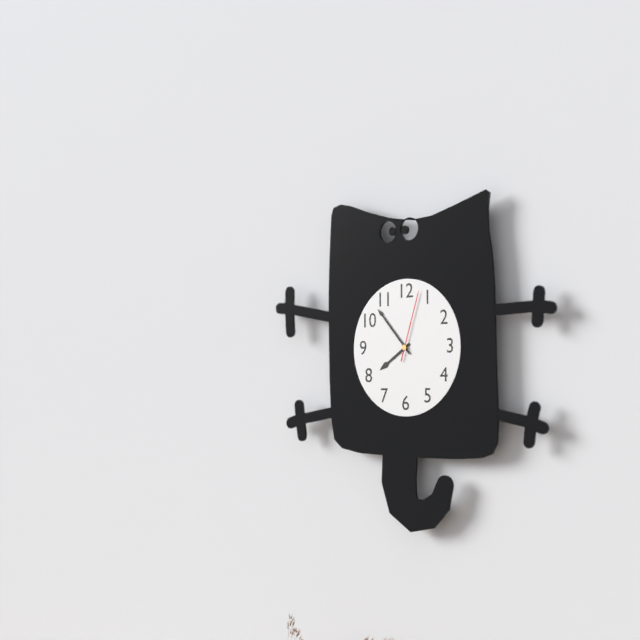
7:53:03
